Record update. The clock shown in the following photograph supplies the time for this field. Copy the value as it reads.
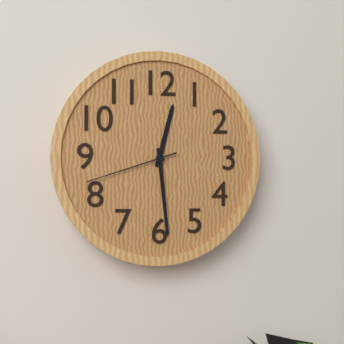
12:29:42
